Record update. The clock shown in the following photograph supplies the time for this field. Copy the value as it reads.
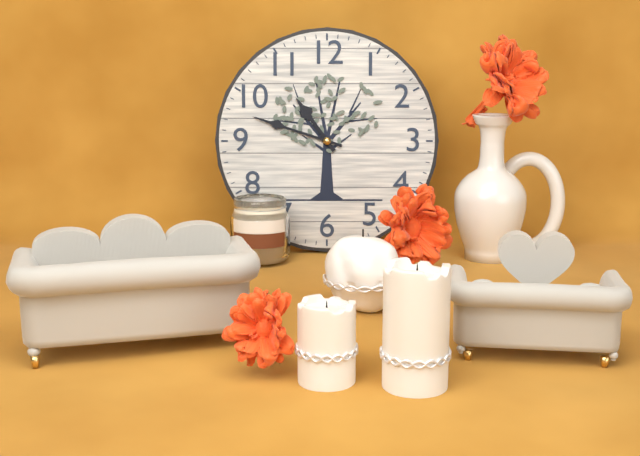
10:48
